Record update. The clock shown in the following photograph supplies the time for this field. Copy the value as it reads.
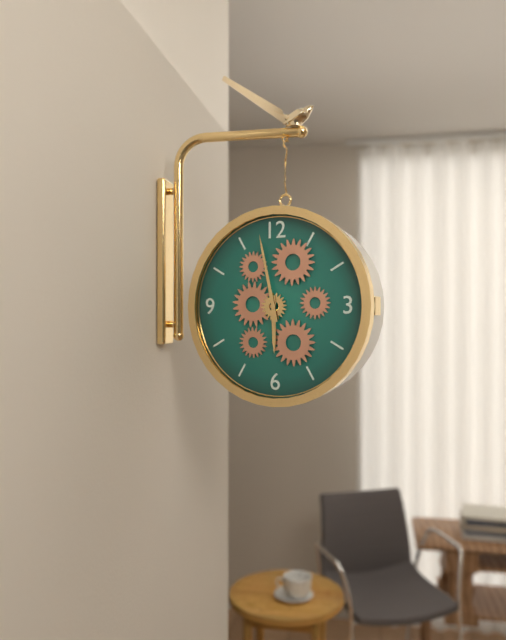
5:58
